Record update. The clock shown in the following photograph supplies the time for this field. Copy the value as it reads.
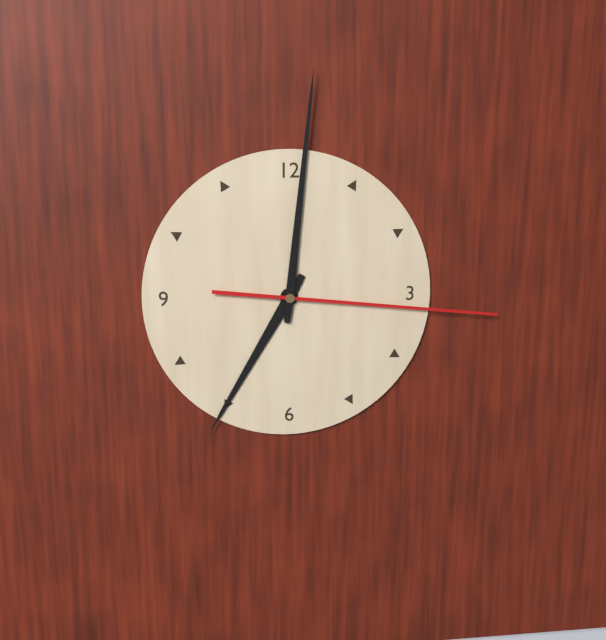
7:01:16
